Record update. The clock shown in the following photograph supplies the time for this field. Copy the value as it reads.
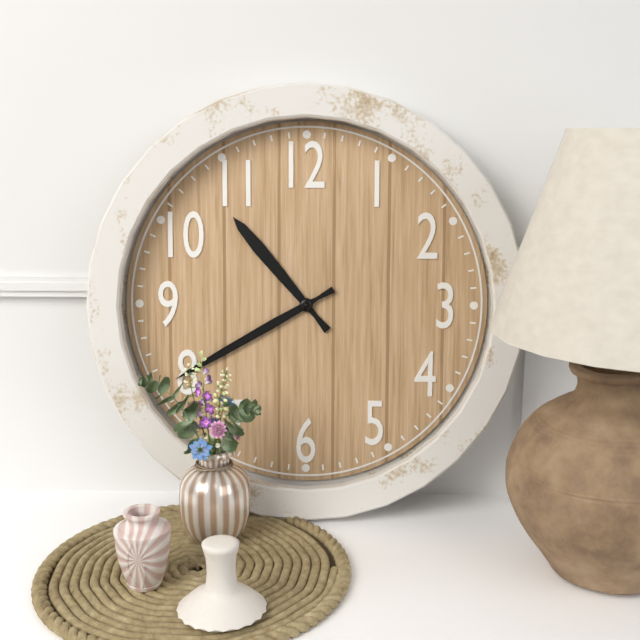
10:40
